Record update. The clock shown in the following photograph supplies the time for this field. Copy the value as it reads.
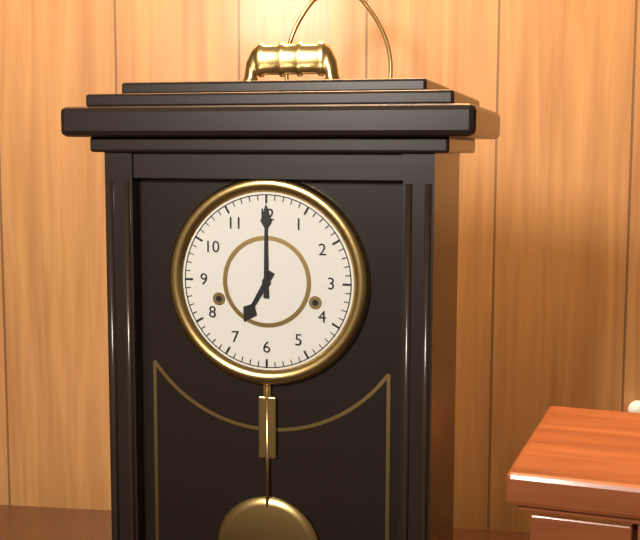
7:00
